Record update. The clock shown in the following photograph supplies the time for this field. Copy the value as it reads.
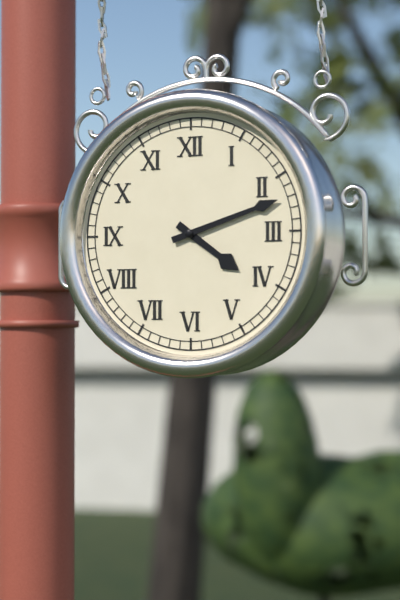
4:12
